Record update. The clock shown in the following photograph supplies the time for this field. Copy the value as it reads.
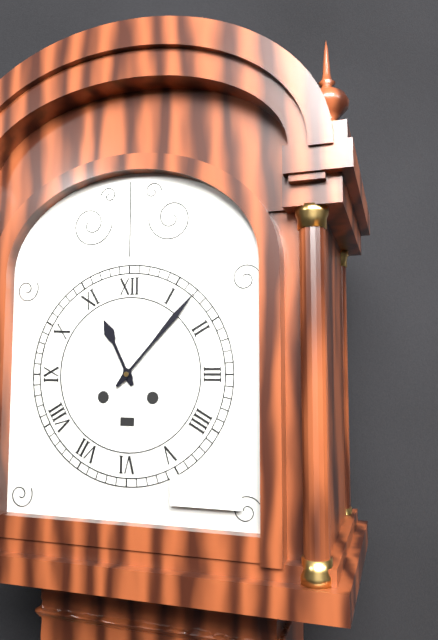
11:07
